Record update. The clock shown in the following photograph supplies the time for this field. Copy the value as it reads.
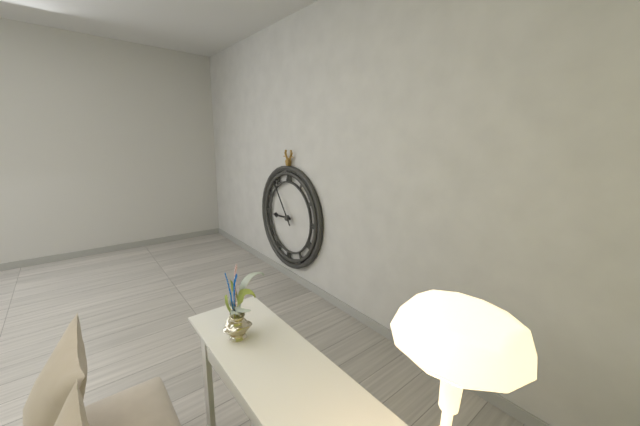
8:54
